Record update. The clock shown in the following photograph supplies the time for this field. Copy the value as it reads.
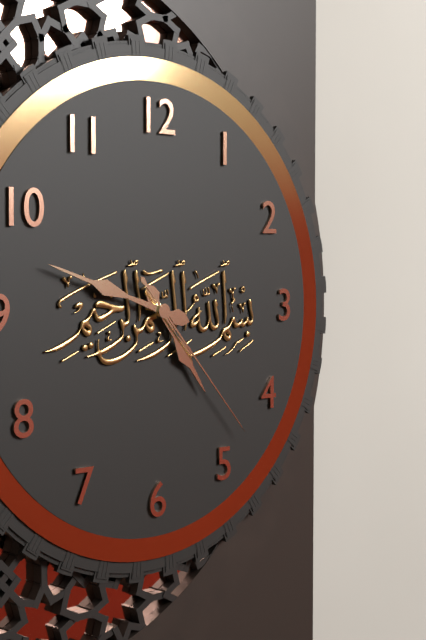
4:48:23
